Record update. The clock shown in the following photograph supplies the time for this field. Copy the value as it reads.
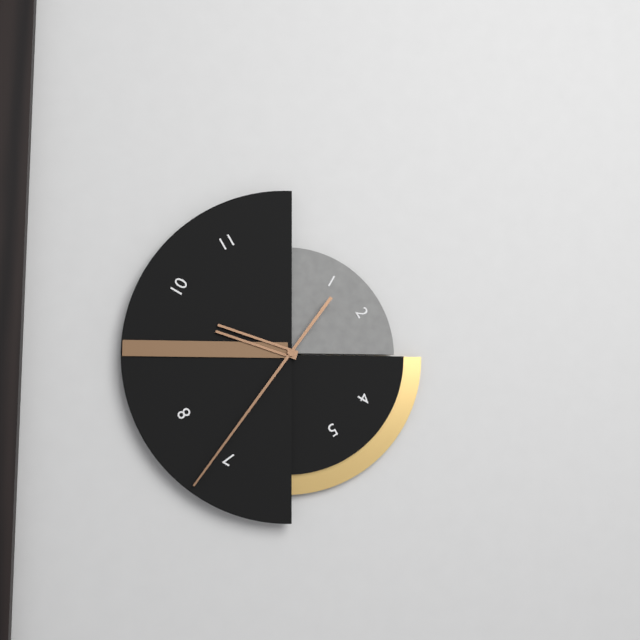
9:36
